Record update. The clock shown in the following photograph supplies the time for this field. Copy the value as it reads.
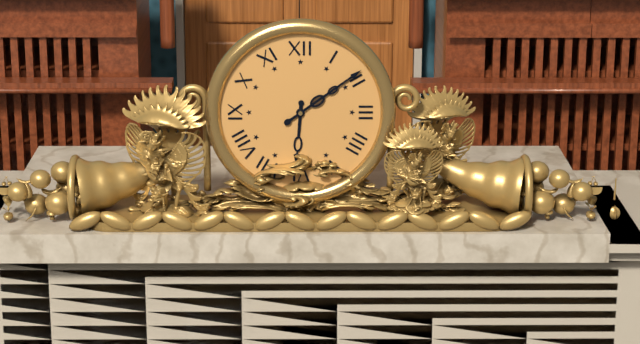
6:09
